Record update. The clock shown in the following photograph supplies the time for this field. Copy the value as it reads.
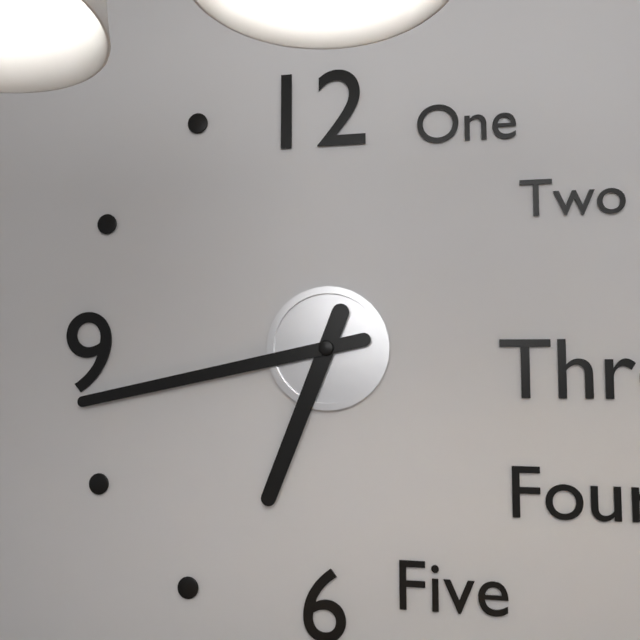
6:43
